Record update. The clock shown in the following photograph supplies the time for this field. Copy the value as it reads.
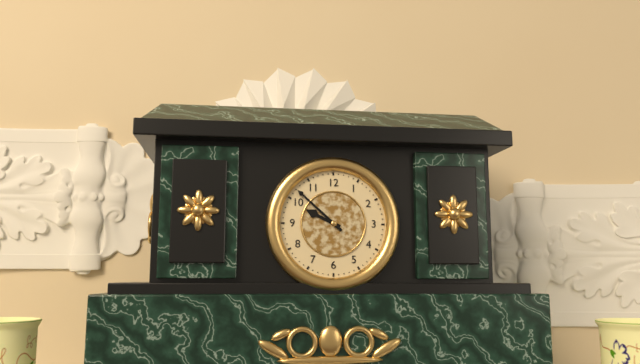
9:52
